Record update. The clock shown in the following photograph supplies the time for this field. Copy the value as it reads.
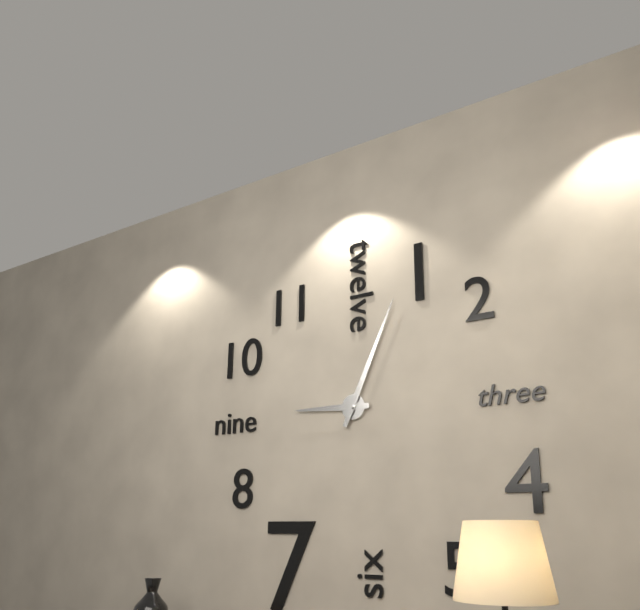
9:04
